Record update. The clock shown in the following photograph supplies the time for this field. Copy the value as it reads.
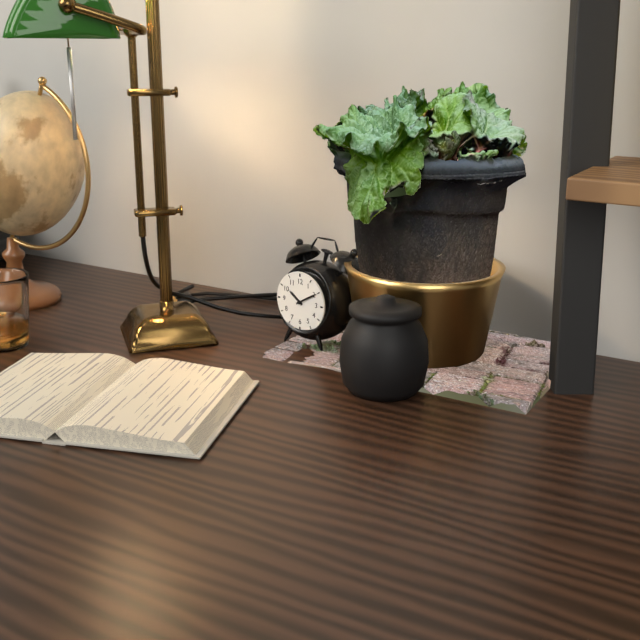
10:10
